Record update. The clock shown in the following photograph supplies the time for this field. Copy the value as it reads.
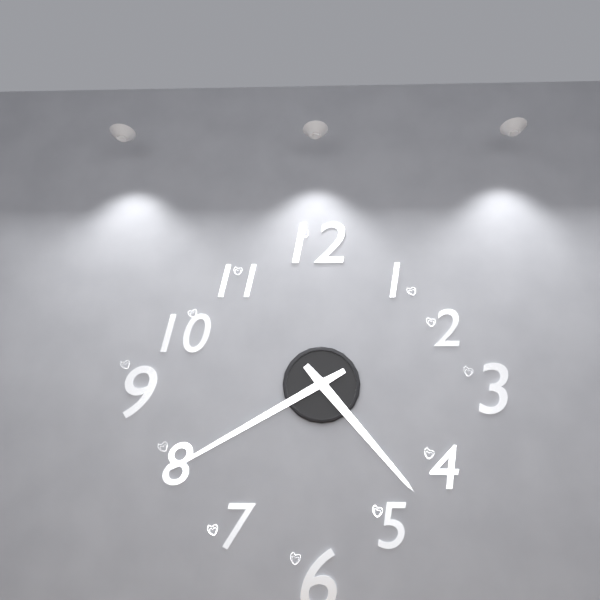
4:40
